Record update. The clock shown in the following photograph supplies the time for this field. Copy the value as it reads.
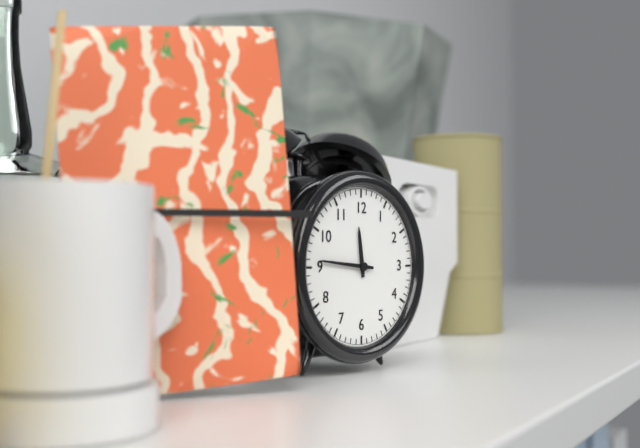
11:46
